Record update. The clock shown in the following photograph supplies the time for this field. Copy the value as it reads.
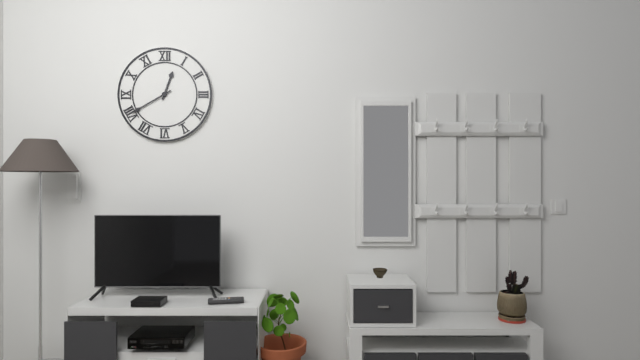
12:40
